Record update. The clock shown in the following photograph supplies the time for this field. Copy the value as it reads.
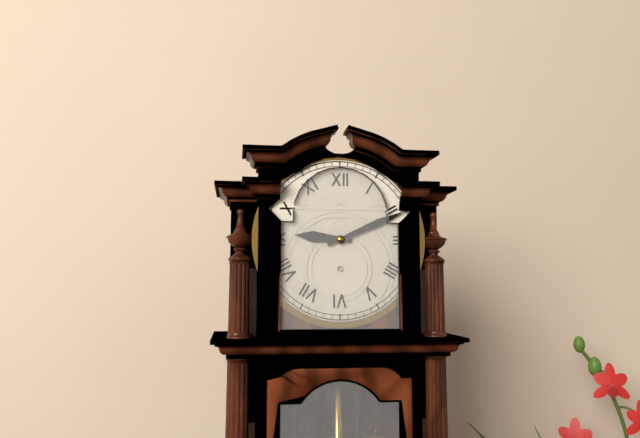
9:11
